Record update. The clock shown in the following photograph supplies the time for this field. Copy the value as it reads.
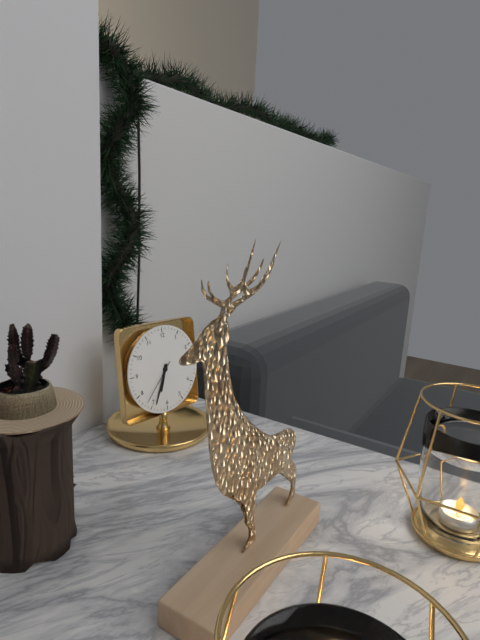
6:34
